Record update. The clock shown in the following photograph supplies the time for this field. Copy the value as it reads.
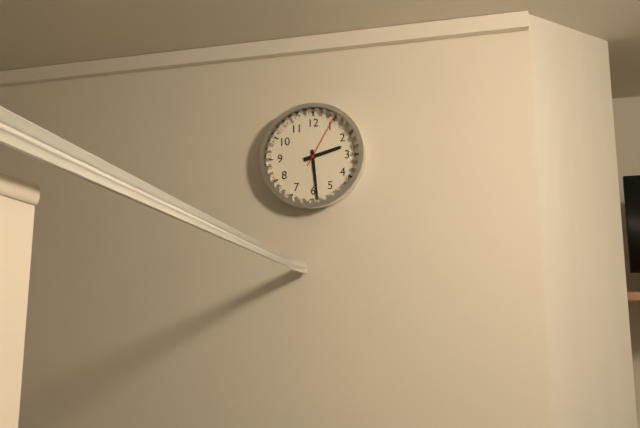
2:29:05
